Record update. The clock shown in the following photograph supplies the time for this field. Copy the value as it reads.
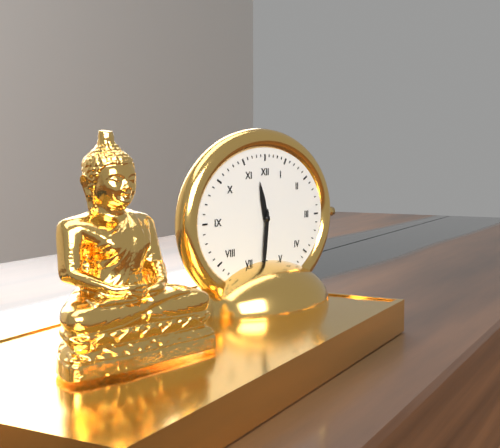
11:31
